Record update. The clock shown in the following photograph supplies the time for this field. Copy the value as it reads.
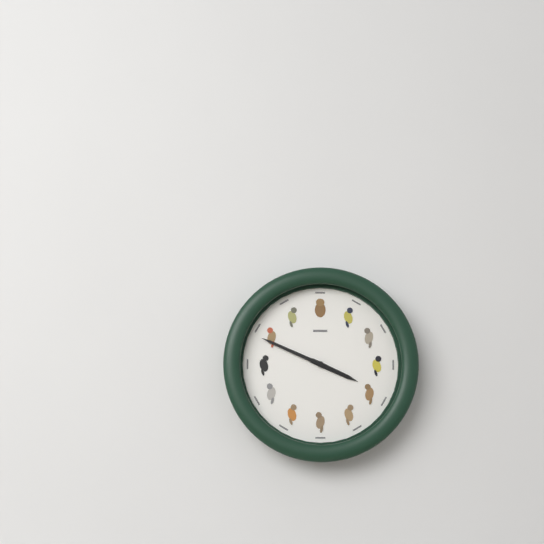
3:49
